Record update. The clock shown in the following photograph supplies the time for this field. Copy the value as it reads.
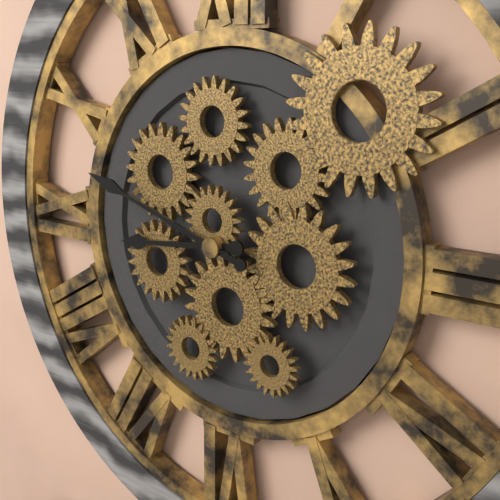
8:48
